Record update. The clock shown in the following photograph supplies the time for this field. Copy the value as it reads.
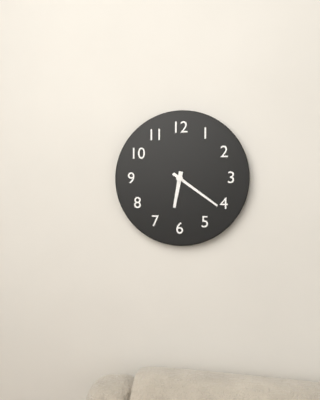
6:21
